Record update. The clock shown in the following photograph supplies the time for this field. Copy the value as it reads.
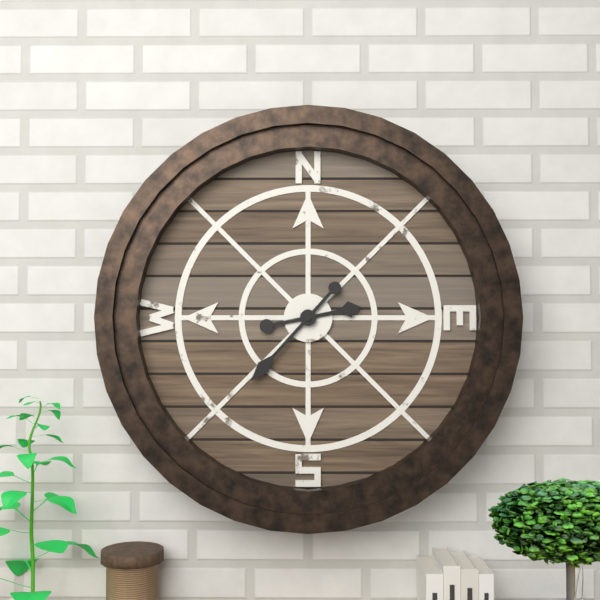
2:37
